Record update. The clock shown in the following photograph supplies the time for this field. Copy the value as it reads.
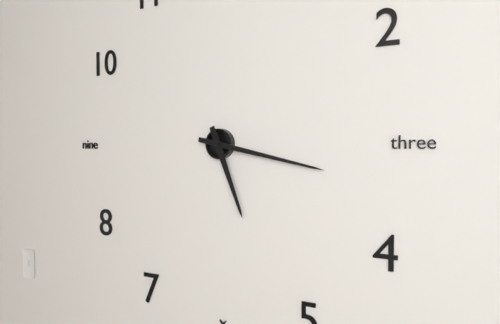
5:17
